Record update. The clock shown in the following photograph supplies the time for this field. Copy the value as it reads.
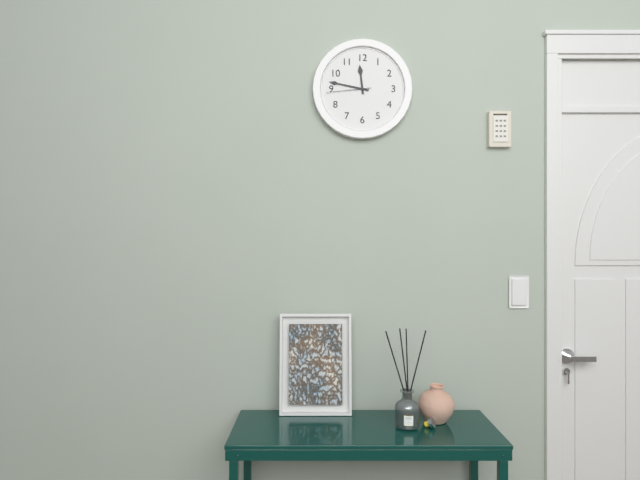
11:47
